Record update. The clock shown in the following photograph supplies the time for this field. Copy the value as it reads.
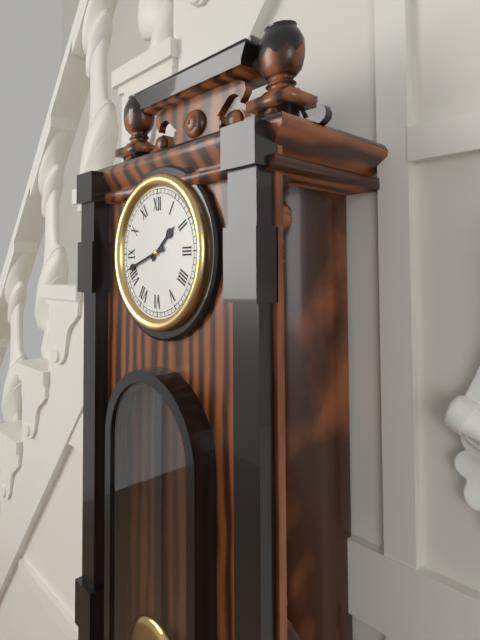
1:42
